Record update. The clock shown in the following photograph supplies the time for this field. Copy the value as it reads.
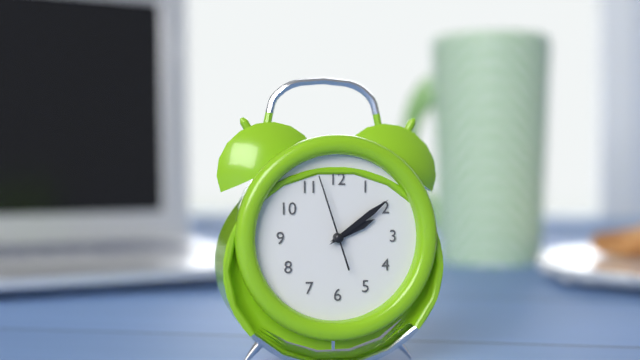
2:09:57
